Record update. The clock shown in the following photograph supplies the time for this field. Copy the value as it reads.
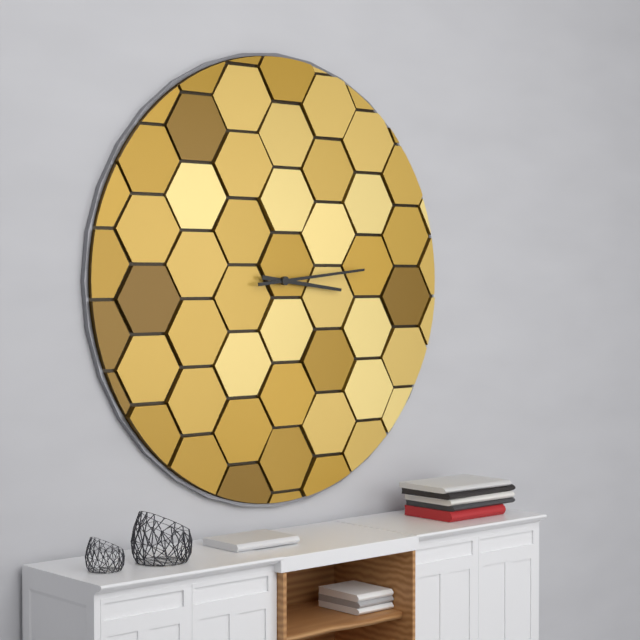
3:14
